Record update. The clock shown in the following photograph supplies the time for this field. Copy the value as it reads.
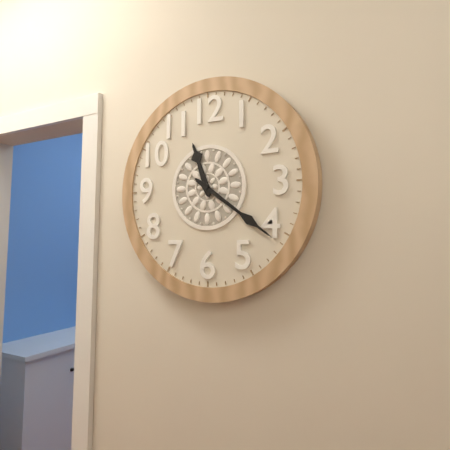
11:21
